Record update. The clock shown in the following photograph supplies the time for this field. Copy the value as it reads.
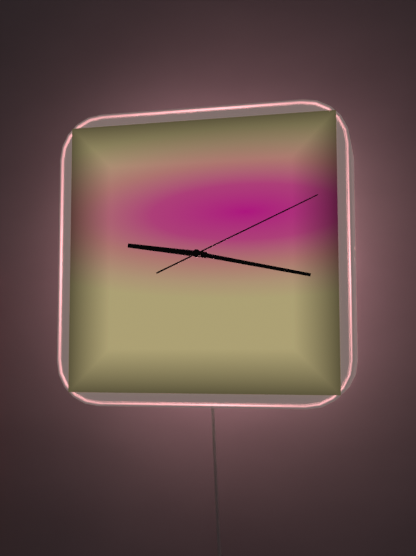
9:17:11
